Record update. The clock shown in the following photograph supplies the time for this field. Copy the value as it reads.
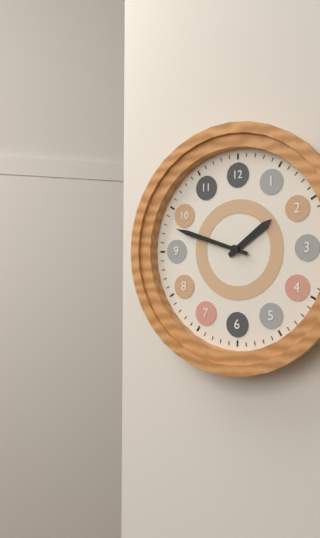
1:48
